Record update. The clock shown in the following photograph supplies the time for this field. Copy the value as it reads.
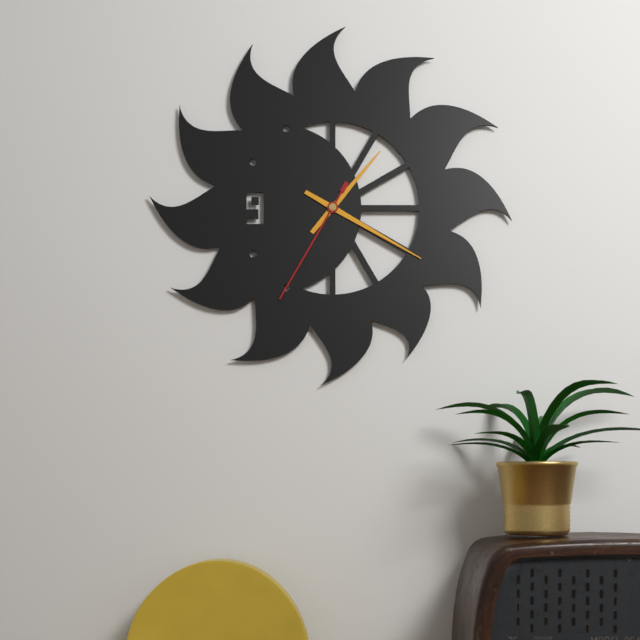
1:20:35
